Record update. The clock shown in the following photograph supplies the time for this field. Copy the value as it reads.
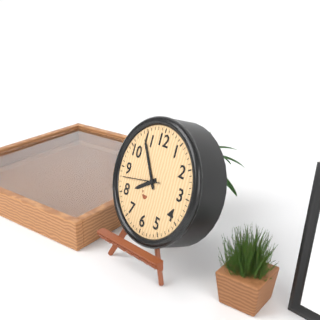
7:54
